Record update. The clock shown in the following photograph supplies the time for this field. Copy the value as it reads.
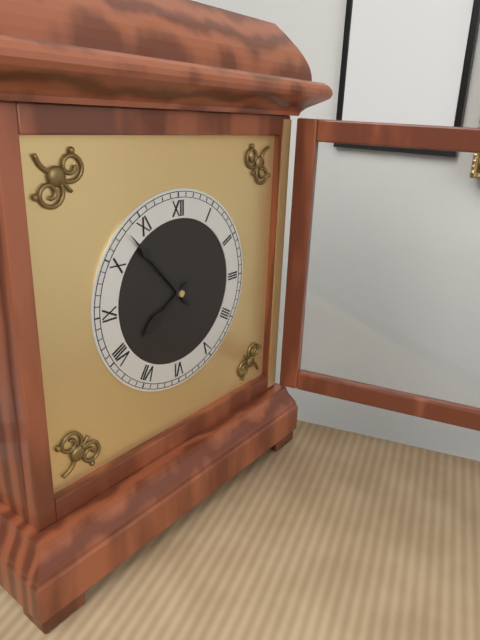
7:53
